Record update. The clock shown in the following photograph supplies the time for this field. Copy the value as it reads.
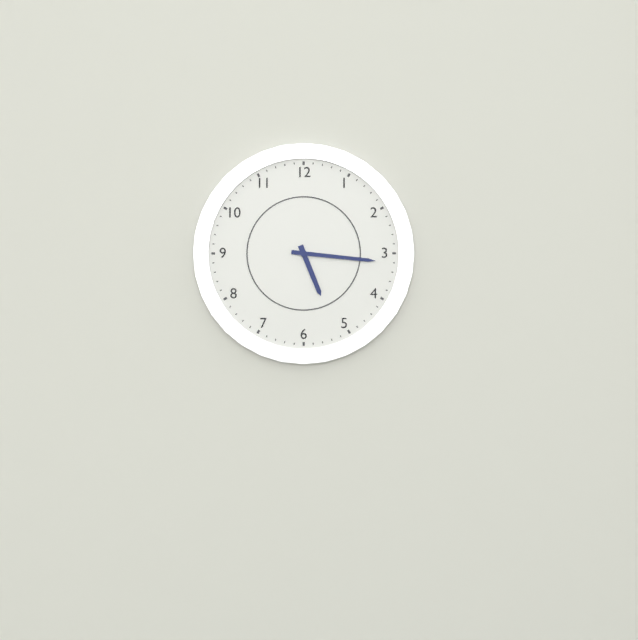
5:16
